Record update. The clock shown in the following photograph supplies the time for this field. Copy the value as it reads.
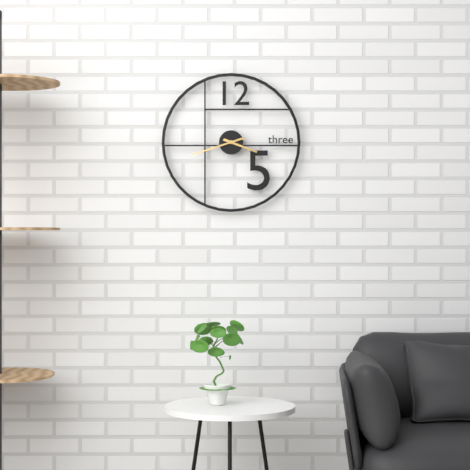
3:42
